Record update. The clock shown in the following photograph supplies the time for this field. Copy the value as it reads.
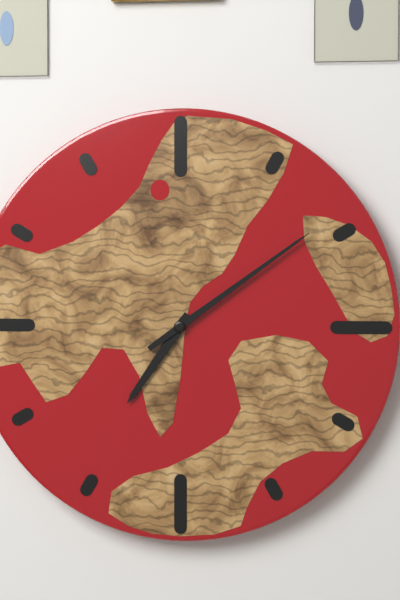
7:09
